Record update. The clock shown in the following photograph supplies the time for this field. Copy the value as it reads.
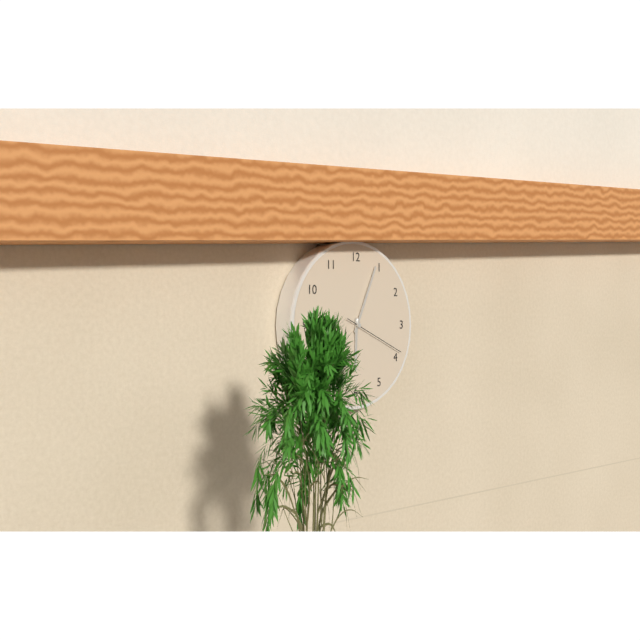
6:04:19
